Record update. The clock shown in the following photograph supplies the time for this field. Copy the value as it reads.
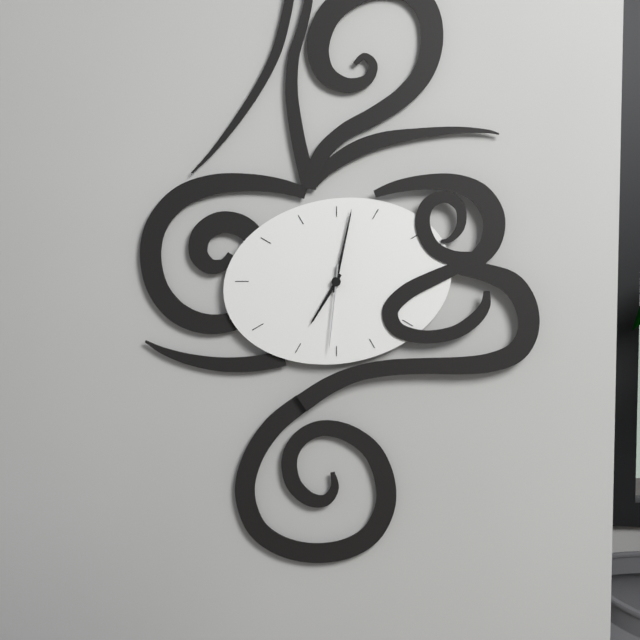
7:02:31
